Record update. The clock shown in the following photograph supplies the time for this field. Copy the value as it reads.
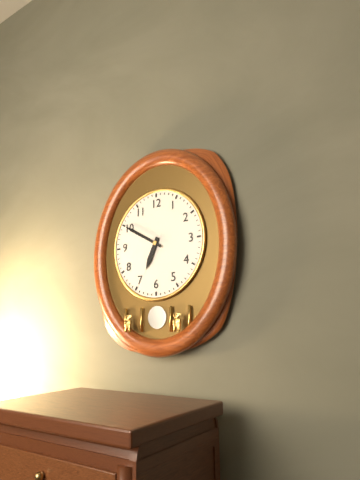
6:50
